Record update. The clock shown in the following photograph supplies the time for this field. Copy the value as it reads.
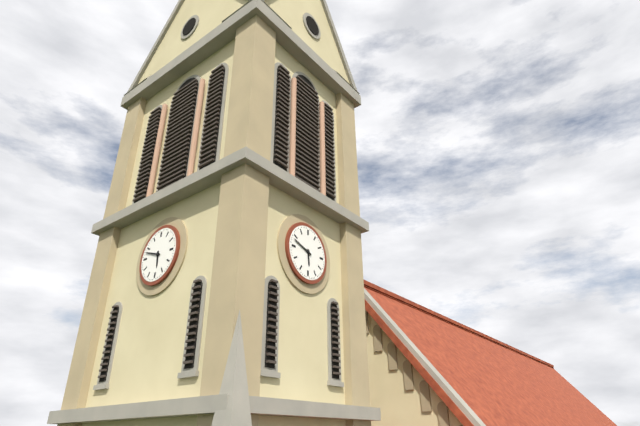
5:48
